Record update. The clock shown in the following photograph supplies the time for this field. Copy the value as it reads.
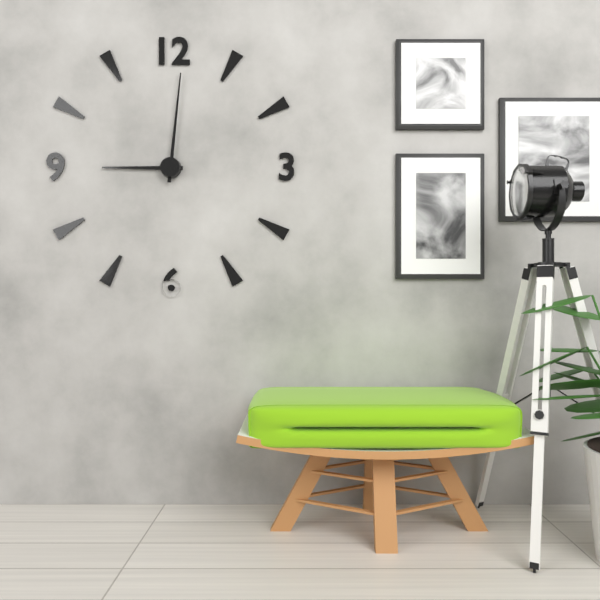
9:01
